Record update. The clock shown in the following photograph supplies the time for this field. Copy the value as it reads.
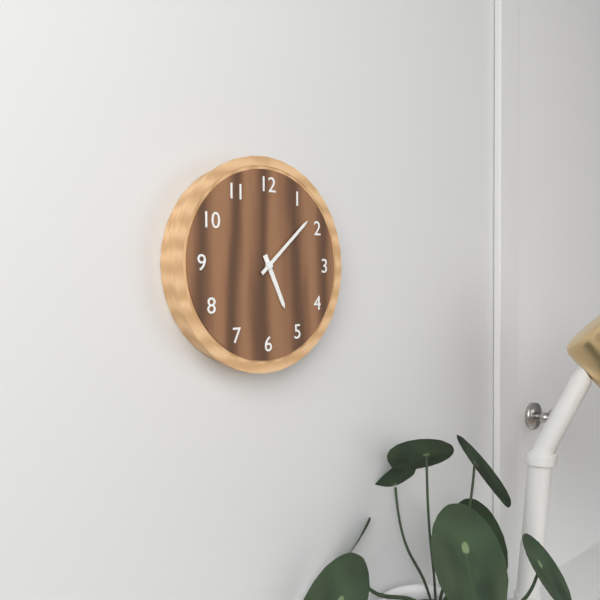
5:08
